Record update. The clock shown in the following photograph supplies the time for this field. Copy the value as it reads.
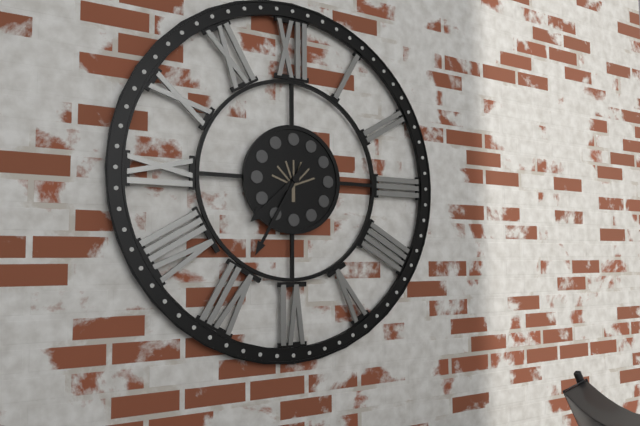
7:35
